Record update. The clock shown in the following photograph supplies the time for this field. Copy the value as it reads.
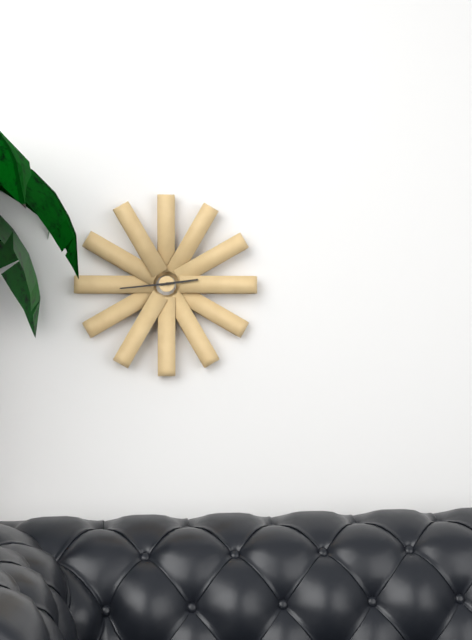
2:44
